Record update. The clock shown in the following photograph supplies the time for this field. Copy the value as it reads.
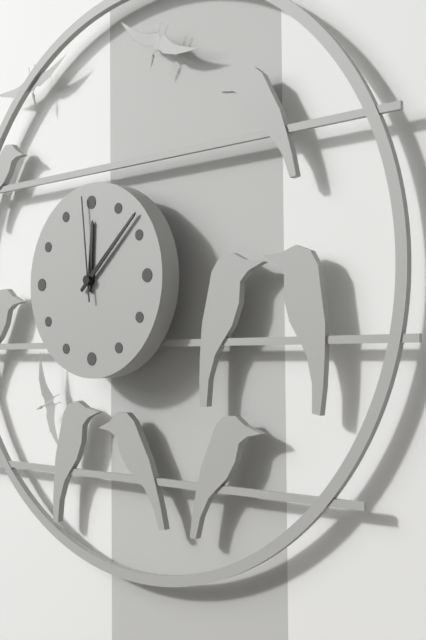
12:08:59
